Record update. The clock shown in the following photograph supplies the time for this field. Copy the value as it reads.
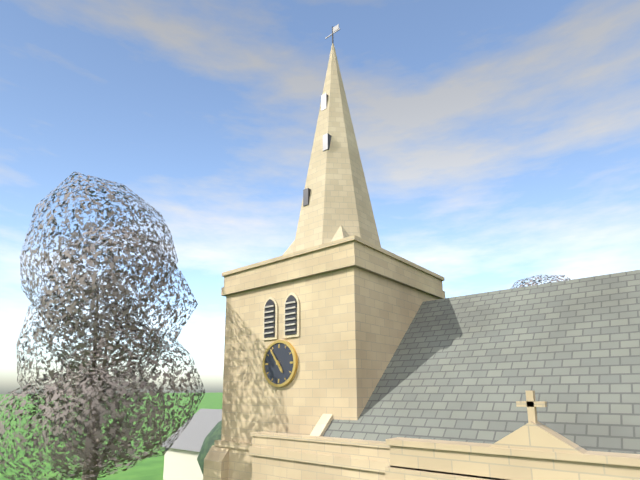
4:54
